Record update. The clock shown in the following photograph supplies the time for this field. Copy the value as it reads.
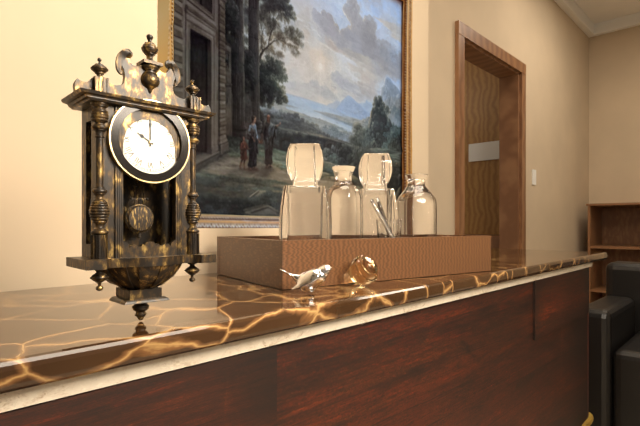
10:00
